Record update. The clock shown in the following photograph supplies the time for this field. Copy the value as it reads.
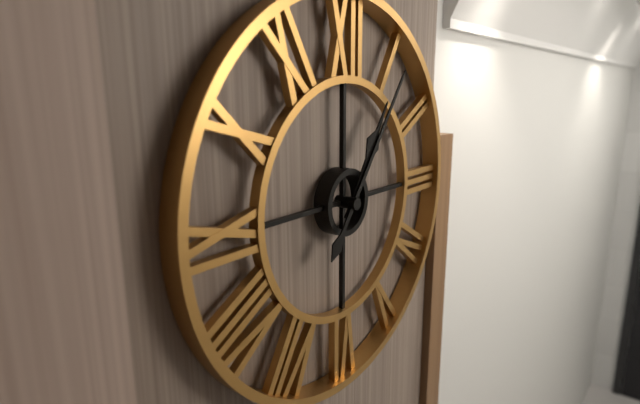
1:06
